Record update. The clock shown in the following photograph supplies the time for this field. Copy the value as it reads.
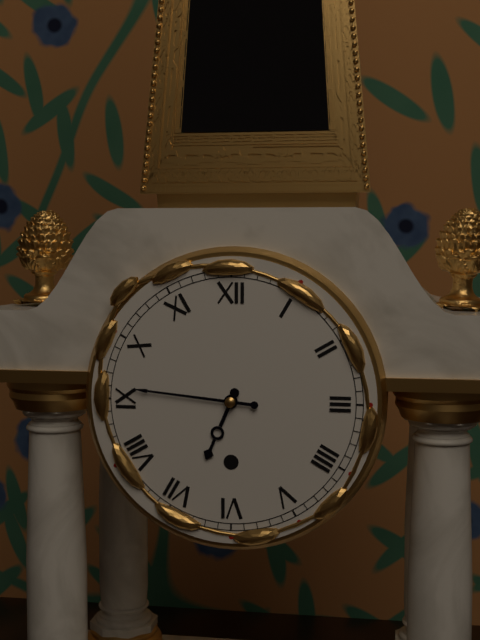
6:46
